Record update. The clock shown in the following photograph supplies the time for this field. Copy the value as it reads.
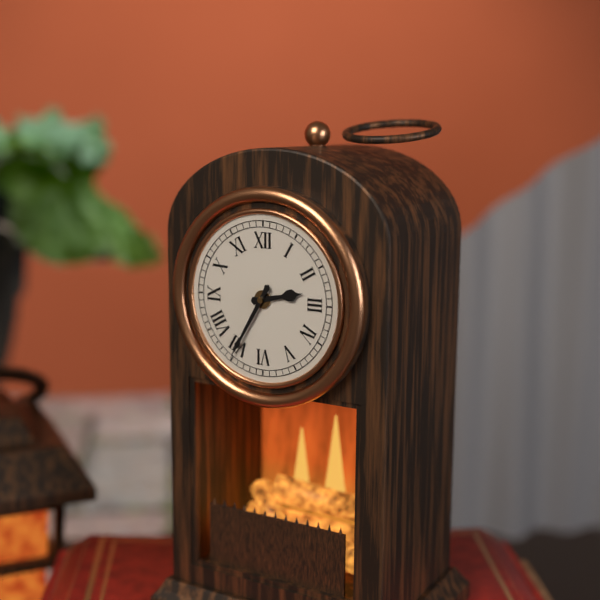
2:35
